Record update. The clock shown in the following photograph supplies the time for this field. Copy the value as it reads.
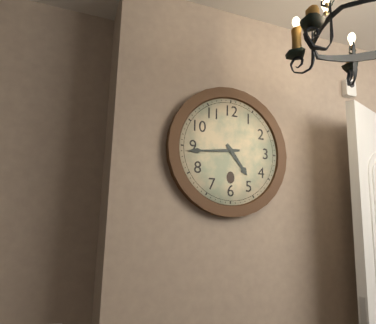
4:44
